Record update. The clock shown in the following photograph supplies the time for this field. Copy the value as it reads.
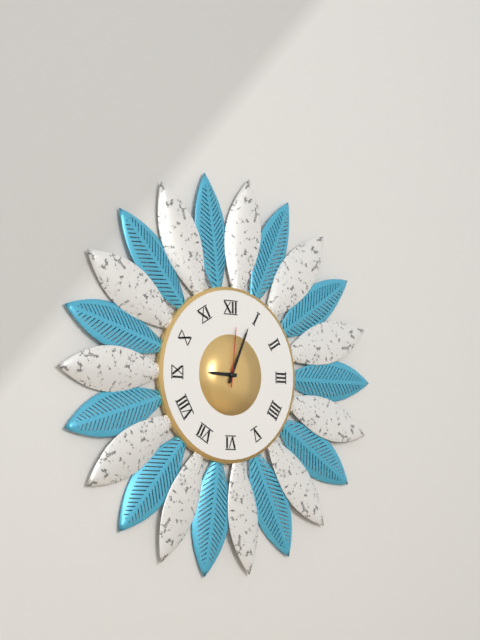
9:04:01
